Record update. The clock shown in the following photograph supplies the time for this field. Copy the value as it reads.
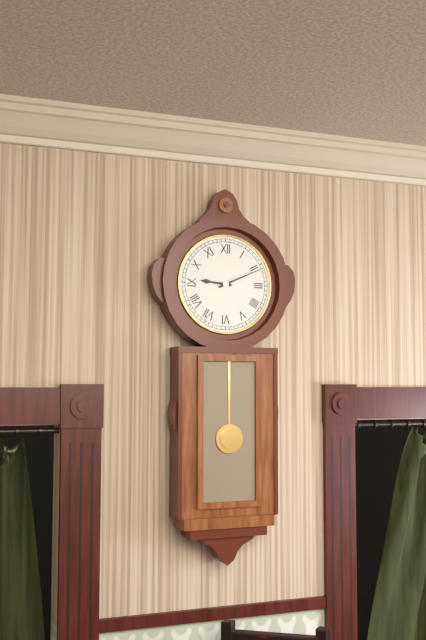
9:11
